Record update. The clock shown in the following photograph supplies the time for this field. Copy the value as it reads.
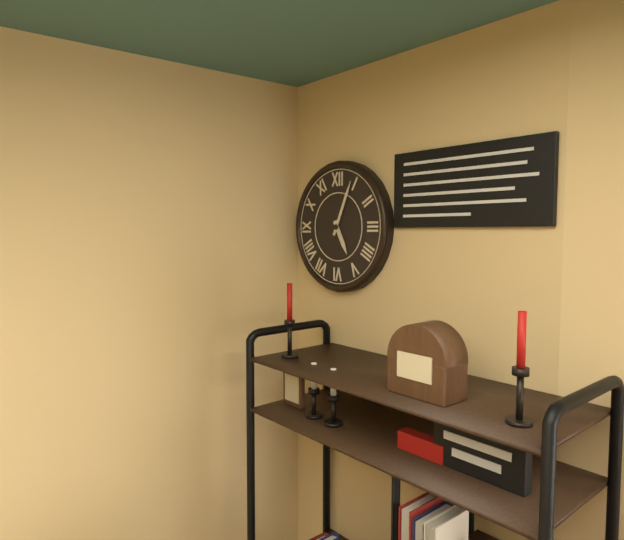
5:04
